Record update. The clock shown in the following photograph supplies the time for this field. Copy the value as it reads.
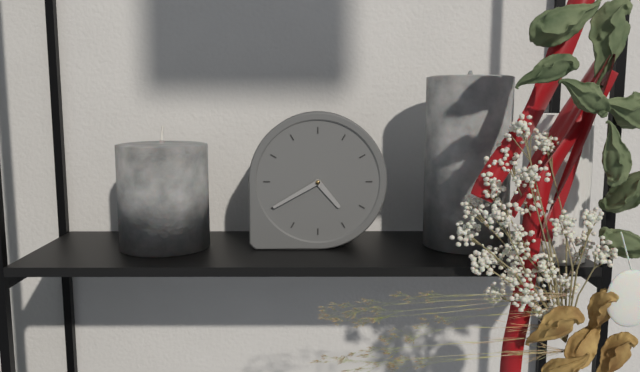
4:40
